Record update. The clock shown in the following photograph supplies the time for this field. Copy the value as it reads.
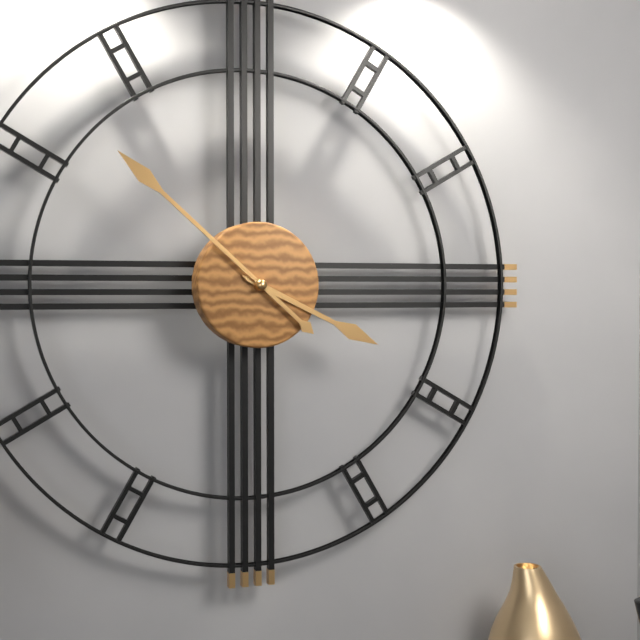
3:52
